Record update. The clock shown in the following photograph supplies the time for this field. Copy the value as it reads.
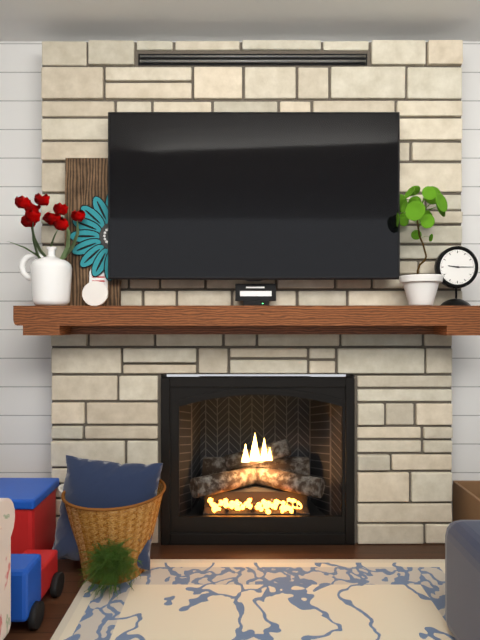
9:15
